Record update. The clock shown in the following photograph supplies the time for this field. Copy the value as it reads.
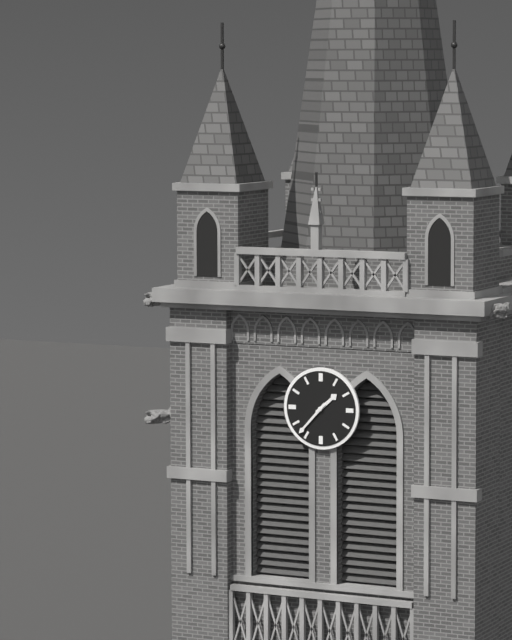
1:37
